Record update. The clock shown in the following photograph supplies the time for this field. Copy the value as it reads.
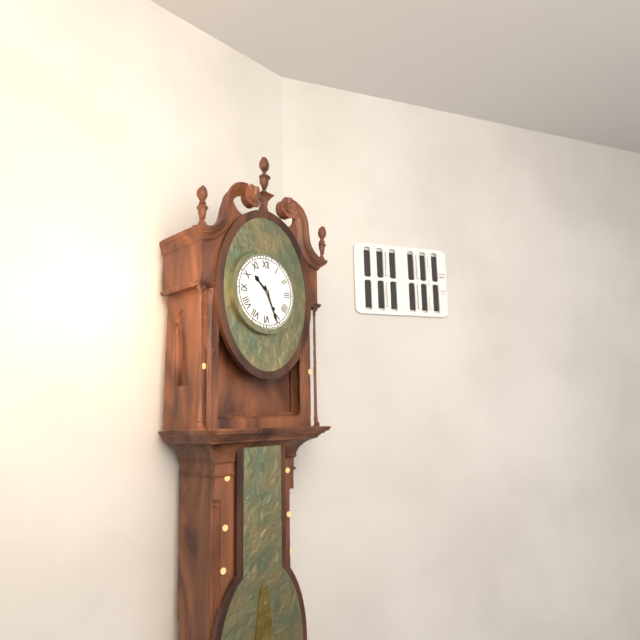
10:26
